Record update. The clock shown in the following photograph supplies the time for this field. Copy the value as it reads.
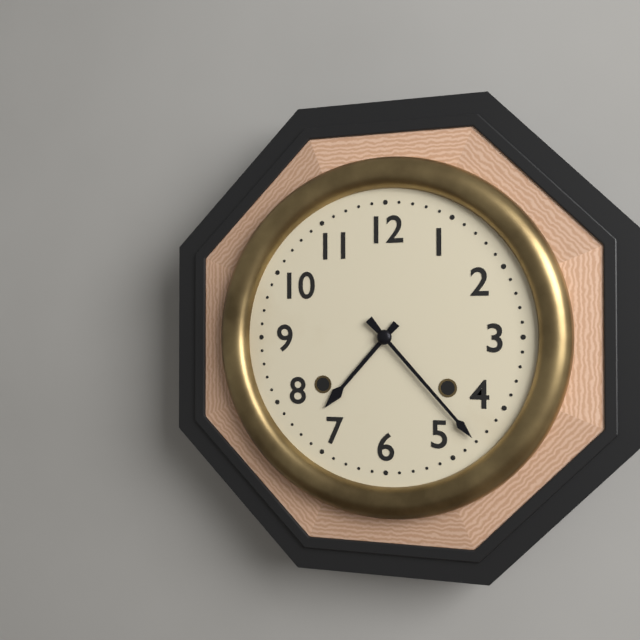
7:23
